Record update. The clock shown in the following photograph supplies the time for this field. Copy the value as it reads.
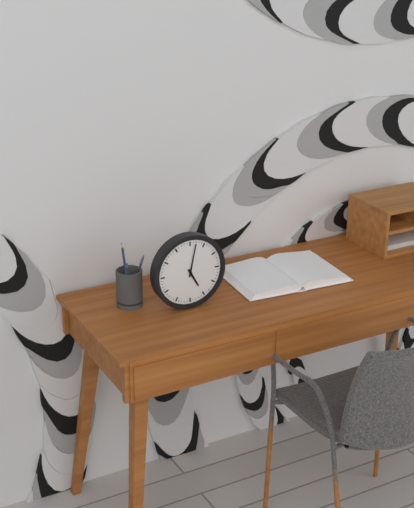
5:02
